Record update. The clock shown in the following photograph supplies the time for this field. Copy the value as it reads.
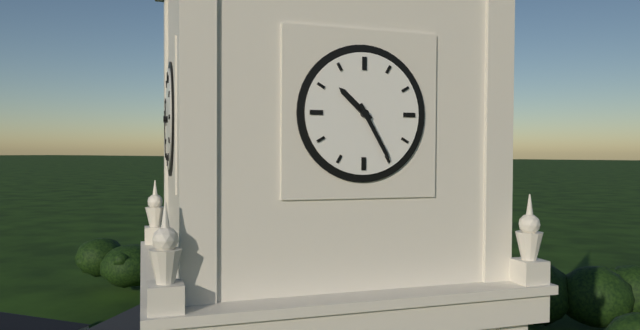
10:25
